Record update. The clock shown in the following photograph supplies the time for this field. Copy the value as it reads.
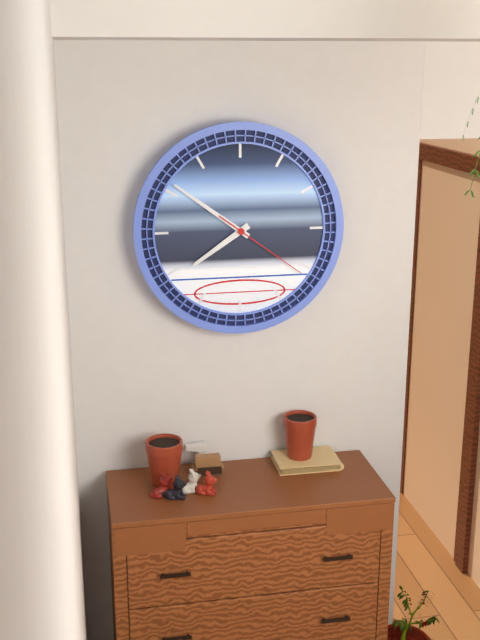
7:51:21
